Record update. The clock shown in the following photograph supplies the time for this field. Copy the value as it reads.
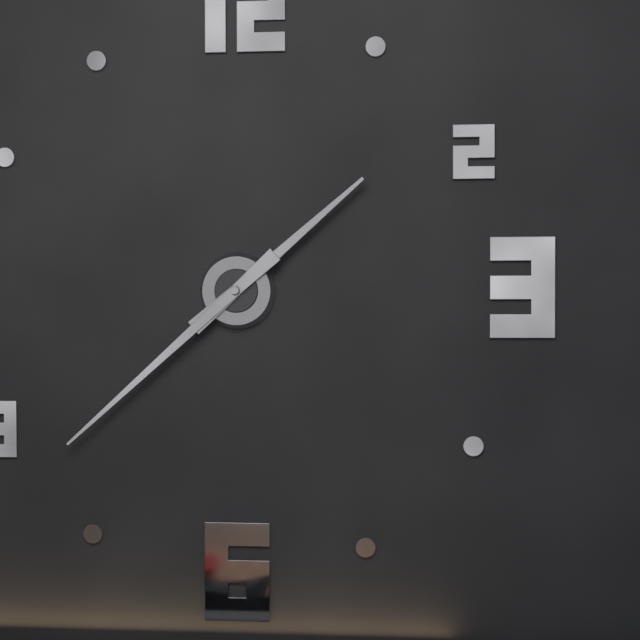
1:38
